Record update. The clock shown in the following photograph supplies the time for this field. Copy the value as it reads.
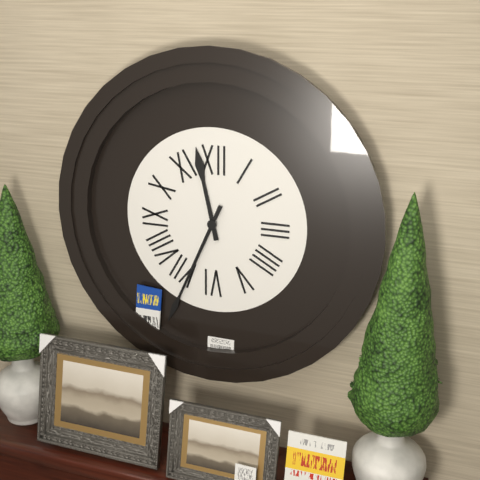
11:34
